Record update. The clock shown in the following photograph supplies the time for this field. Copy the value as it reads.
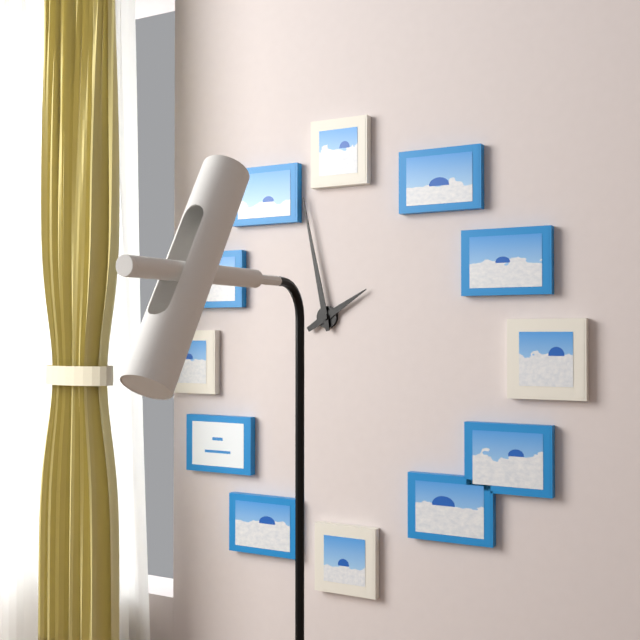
1:58
